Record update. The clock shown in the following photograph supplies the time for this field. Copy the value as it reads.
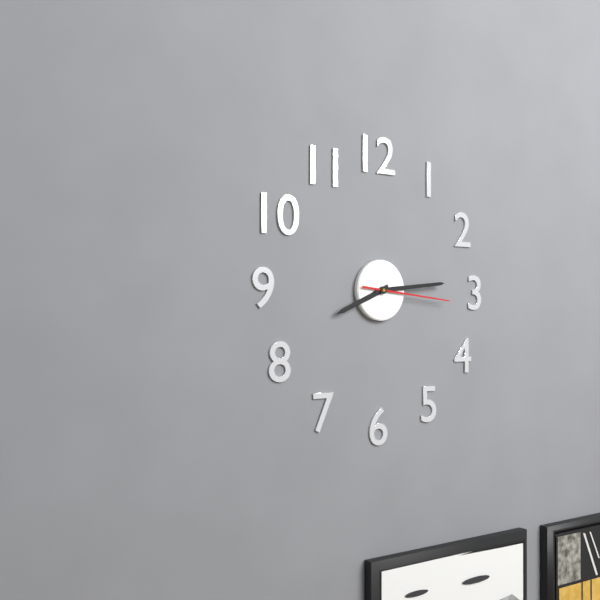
8:14:16
